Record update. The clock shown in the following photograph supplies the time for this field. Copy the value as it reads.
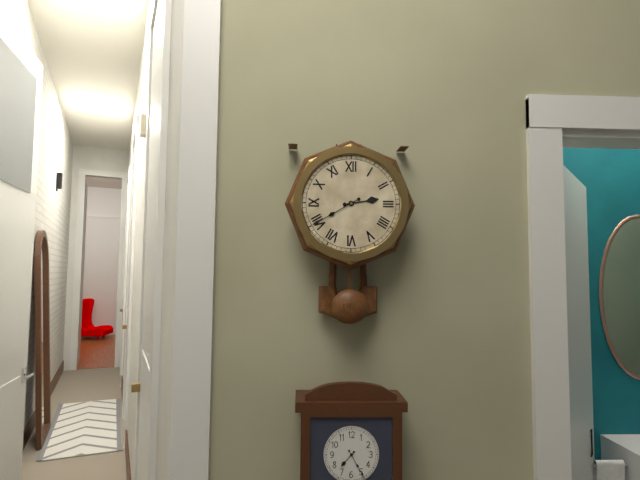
2:40
